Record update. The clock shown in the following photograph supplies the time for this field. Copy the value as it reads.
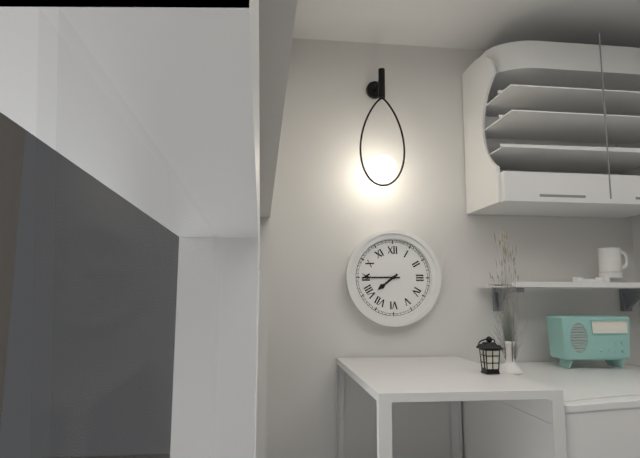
7:45
